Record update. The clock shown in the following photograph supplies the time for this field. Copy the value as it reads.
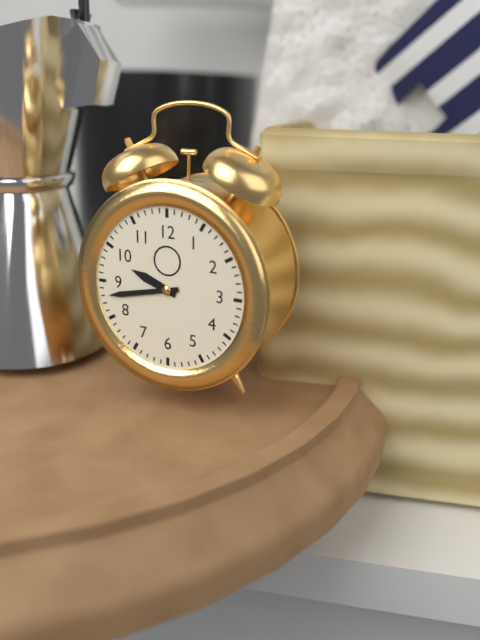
9:43
